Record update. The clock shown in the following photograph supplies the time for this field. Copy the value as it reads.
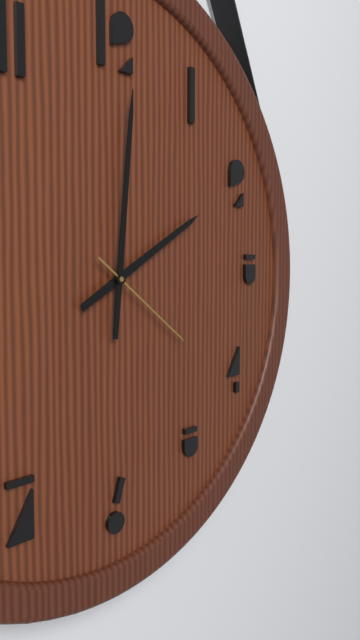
2:01:21
